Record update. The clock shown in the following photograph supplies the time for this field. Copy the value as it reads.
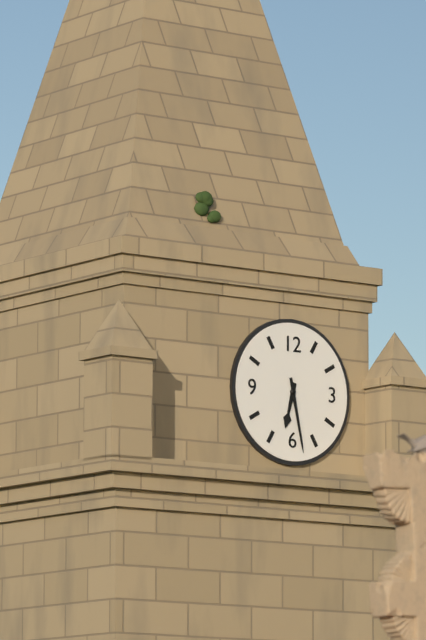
6:28
